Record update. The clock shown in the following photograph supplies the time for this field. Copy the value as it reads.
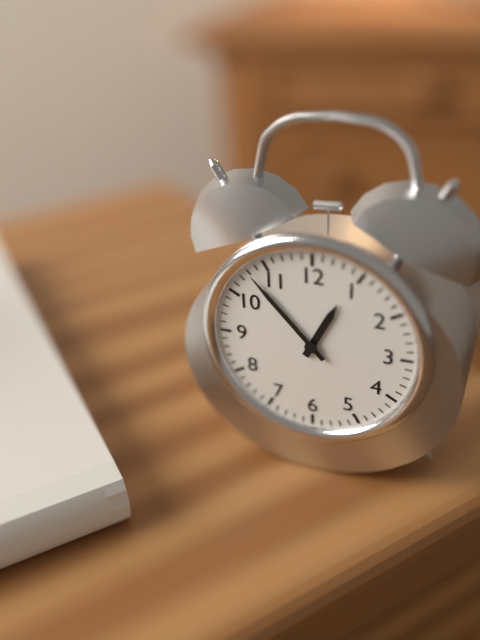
12:53
